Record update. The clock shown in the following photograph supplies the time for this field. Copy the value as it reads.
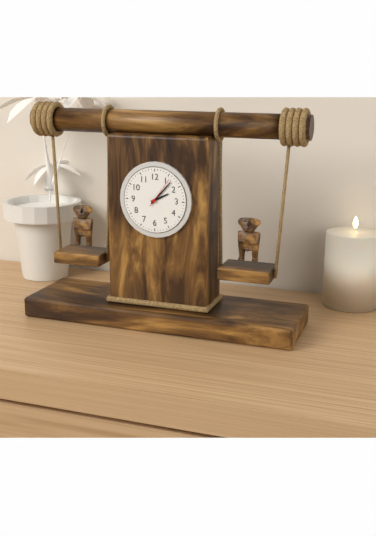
2:07
